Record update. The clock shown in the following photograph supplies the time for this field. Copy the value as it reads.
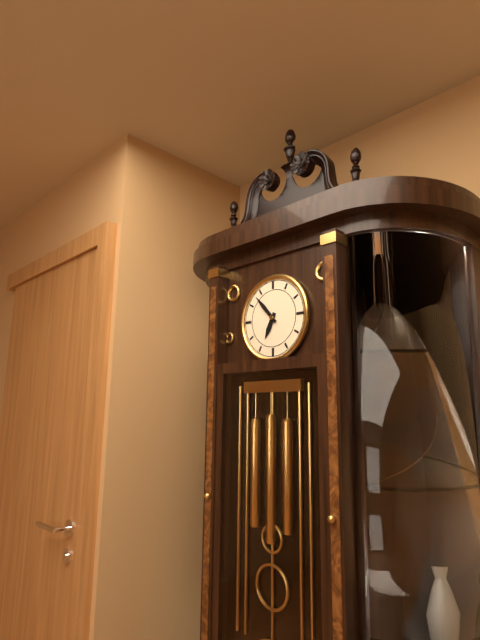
6:53
